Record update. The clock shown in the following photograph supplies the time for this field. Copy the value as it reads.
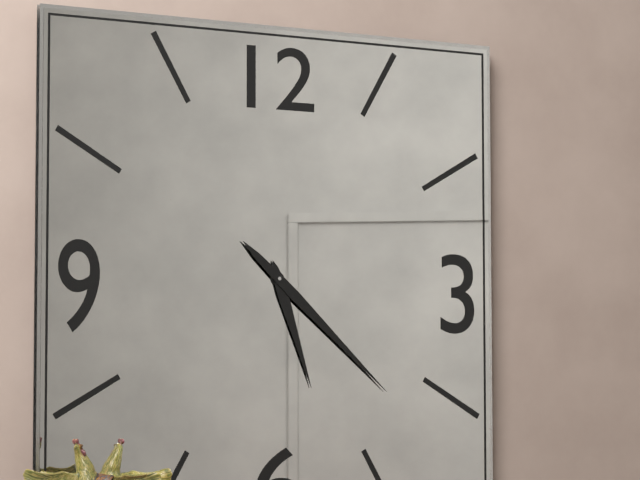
5:22
